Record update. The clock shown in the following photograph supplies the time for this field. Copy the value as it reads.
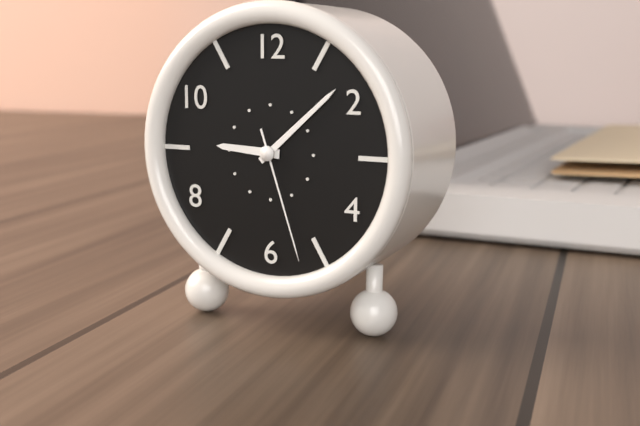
9:08:27
